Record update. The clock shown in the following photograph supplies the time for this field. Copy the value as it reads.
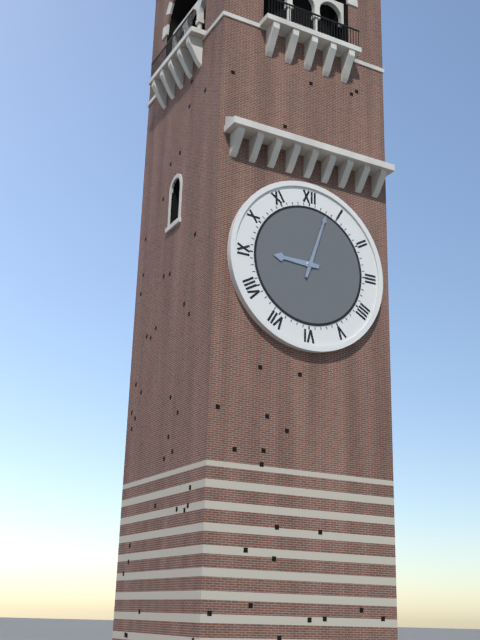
9:03
